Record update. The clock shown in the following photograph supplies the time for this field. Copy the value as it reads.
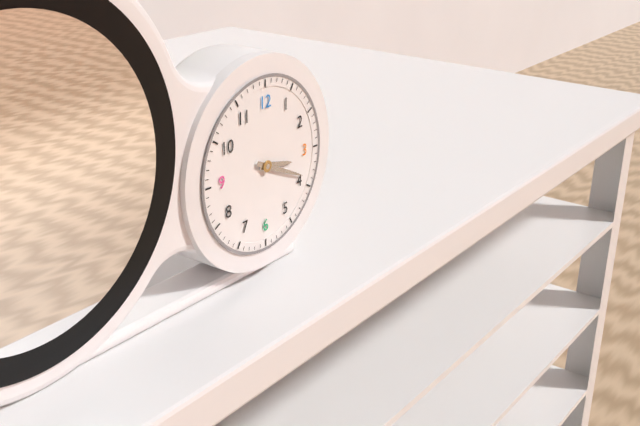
3:19
